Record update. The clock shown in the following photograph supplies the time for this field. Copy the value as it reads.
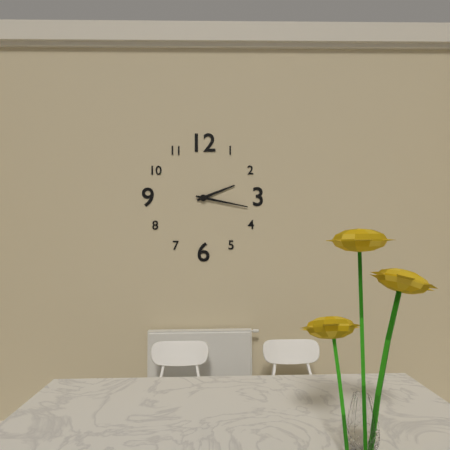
2:17
